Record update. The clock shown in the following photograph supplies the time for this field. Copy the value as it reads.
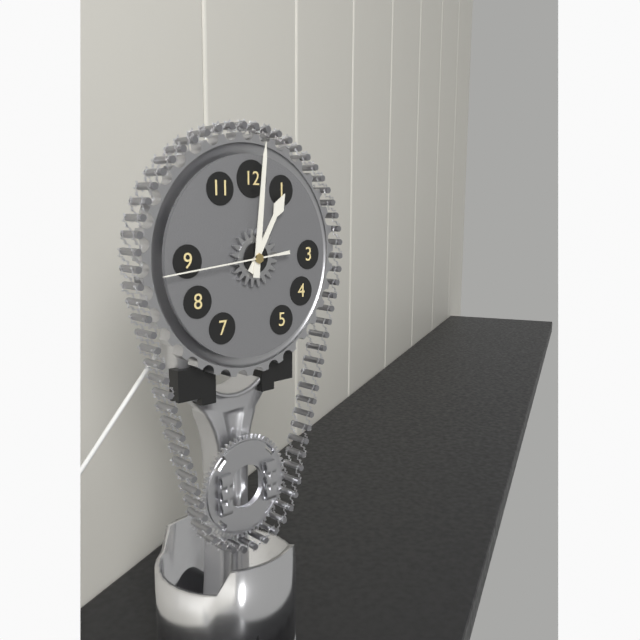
1:01:44
